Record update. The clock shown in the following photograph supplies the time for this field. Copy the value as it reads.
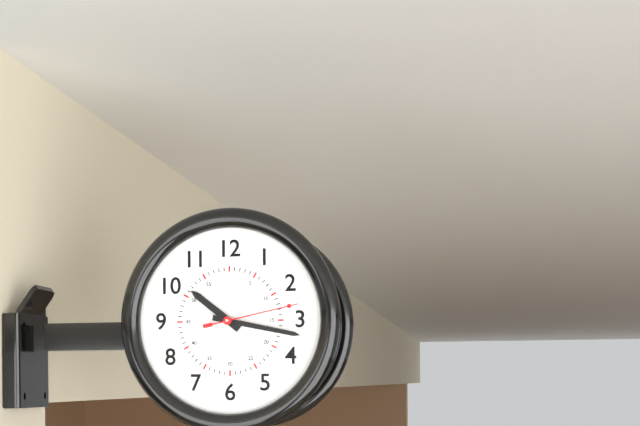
10:17:13
